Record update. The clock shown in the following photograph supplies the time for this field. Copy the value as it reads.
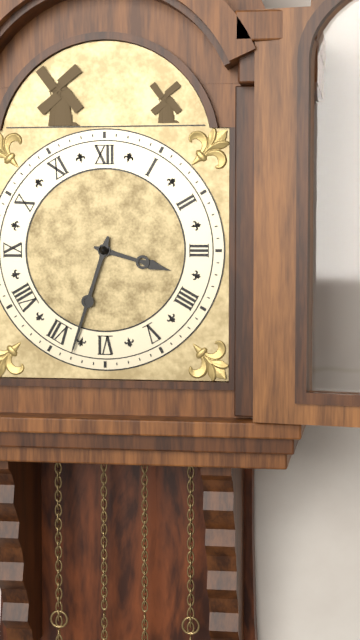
3:33
